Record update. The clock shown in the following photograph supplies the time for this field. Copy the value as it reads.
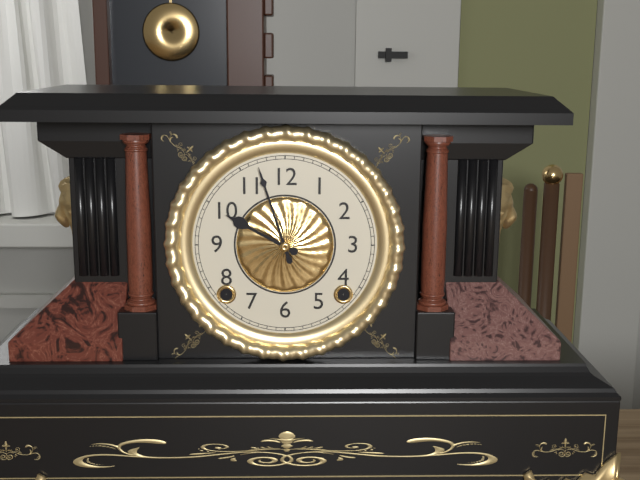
9:57
